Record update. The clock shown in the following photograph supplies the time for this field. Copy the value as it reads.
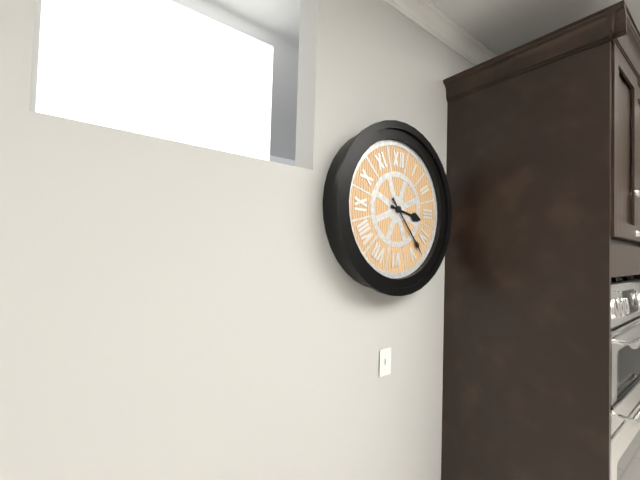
3:23
